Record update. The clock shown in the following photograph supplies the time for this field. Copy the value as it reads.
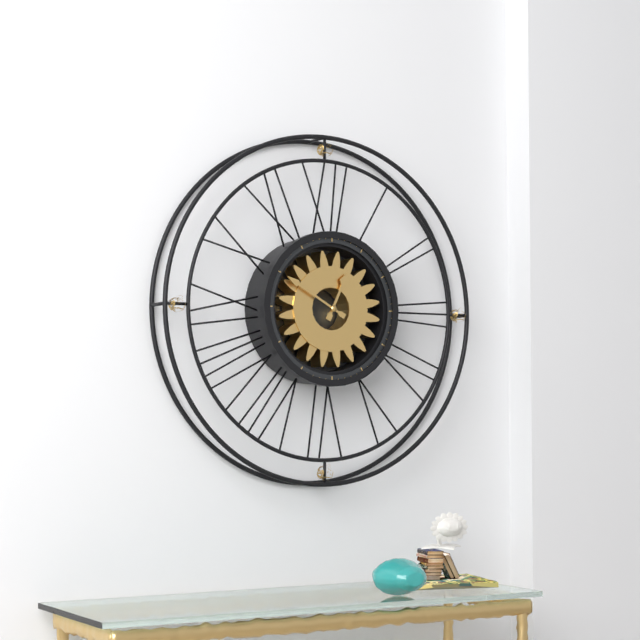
12:50
